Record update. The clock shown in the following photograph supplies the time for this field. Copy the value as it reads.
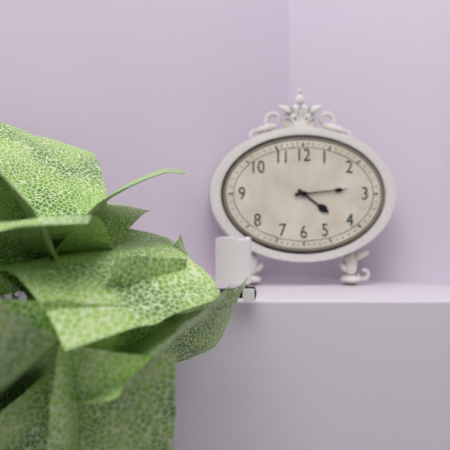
4:14
